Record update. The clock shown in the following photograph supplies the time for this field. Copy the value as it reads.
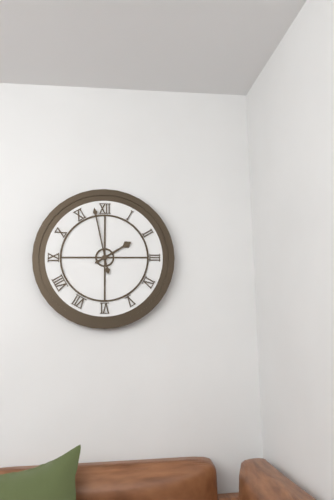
1:58
